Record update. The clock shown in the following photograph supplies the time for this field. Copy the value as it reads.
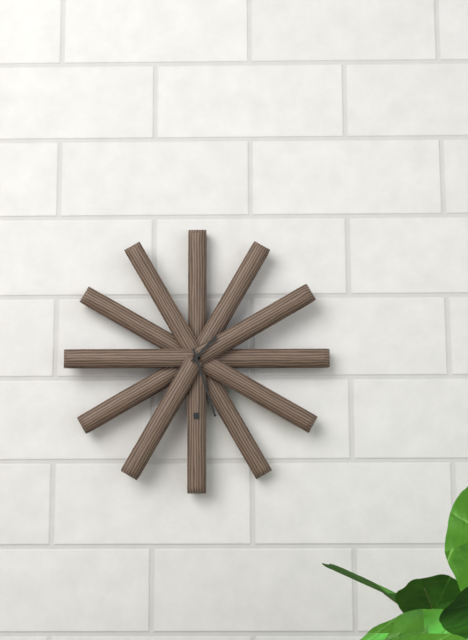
1:27
